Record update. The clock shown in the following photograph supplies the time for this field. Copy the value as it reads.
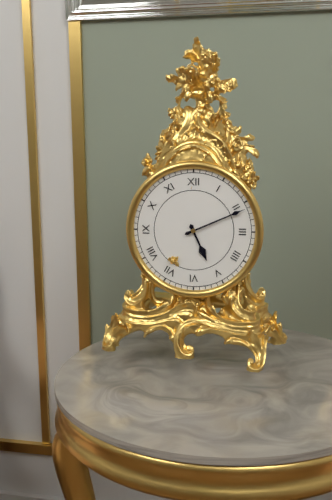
5:11
